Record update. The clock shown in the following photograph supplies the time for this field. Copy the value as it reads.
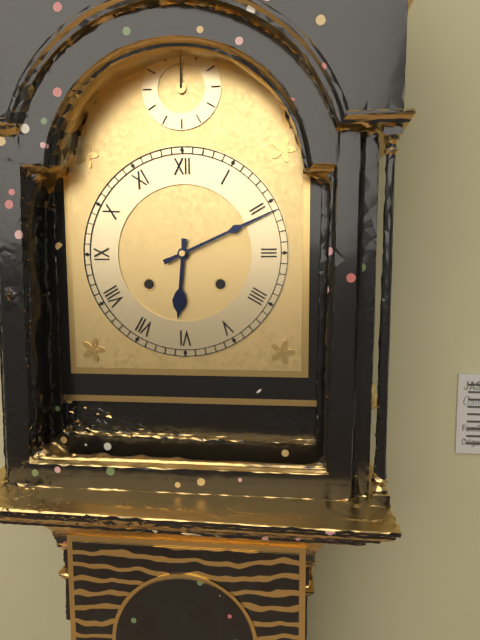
6:11
